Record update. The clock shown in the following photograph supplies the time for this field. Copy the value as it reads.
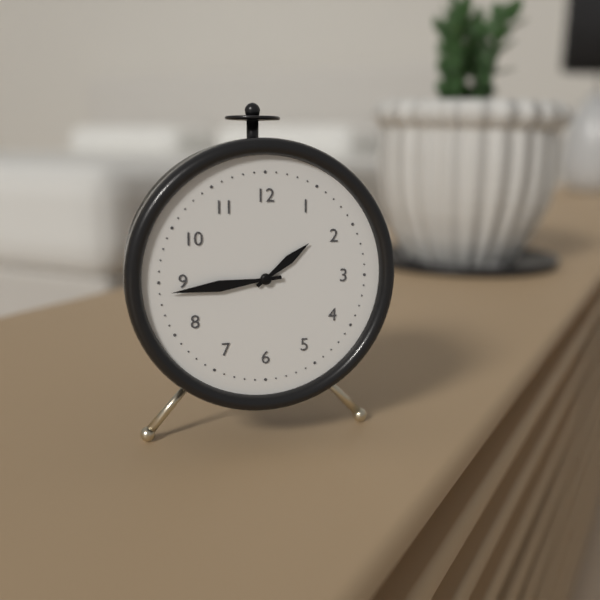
1:44
